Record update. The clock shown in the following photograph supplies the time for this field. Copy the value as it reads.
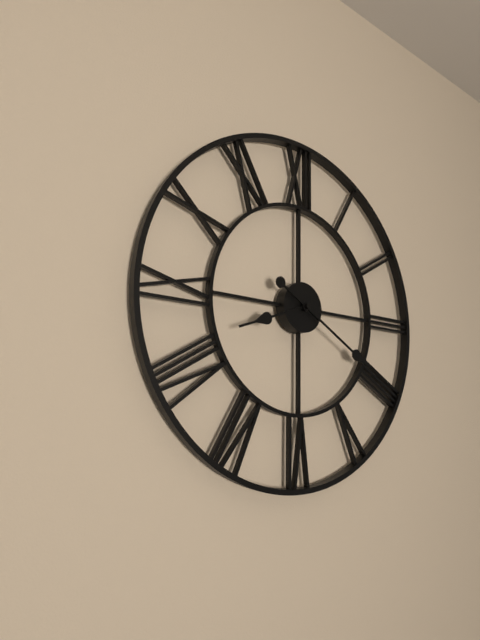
8:20
